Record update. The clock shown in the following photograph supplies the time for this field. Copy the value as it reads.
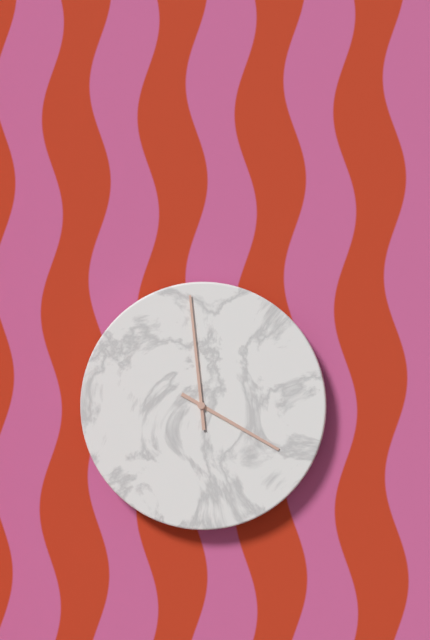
3:59
